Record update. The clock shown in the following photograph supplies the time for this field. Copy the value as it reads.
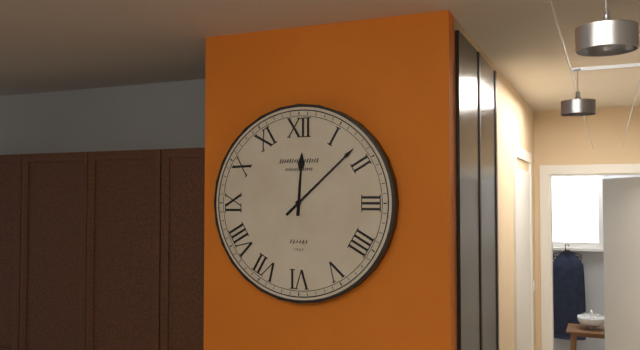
12:08
